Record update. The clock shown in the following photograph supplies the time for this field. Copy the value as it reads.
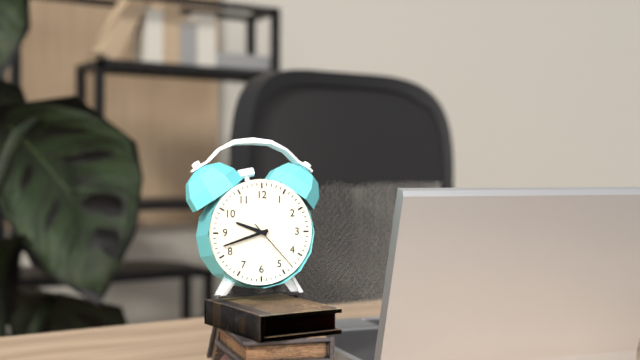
9:42:23
